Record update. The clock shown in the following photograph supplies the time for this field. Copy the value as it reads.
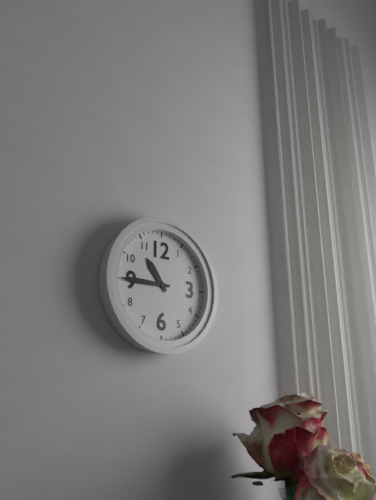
10:45
